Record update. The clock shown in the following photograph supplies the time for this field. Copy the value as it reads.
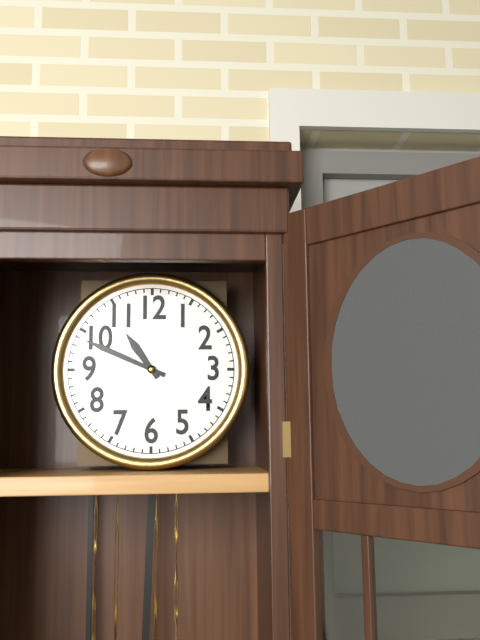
10:49
